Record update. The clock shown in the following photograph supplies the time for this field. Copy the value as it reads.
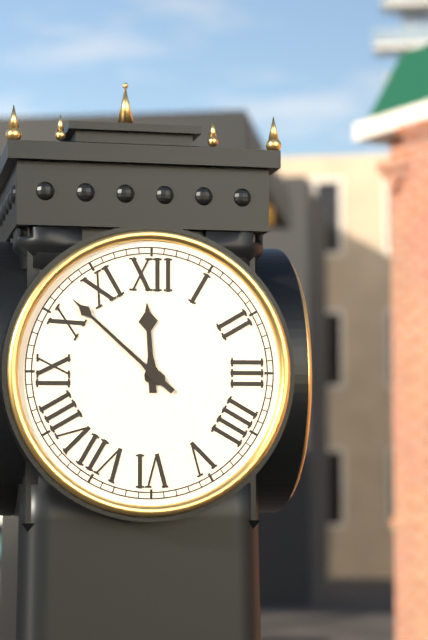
11:52
